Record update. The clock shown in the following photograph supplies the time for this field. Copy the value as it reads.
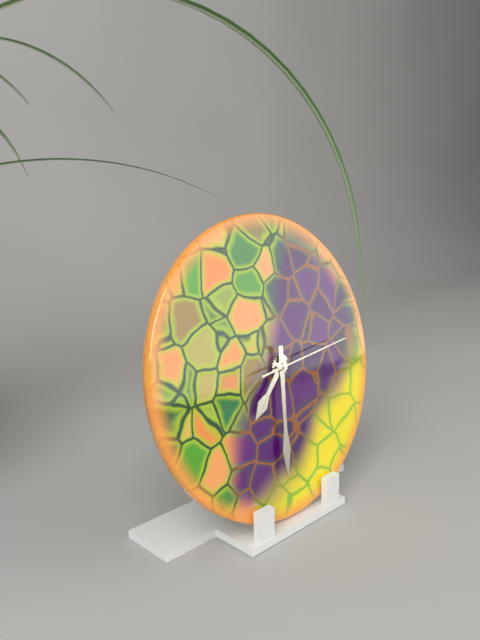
7:31:14
